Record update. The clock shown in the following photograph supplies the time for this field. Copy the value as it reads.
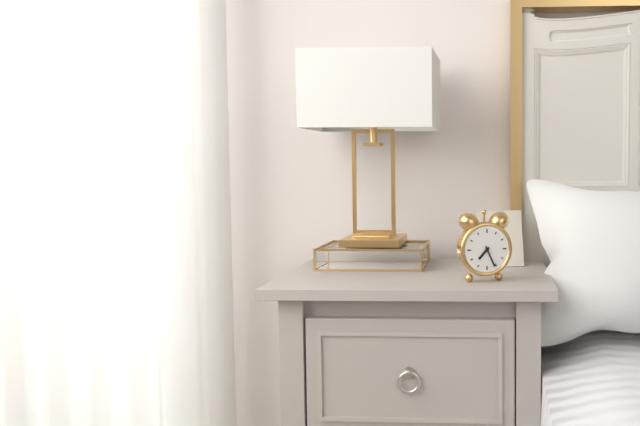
7:26
